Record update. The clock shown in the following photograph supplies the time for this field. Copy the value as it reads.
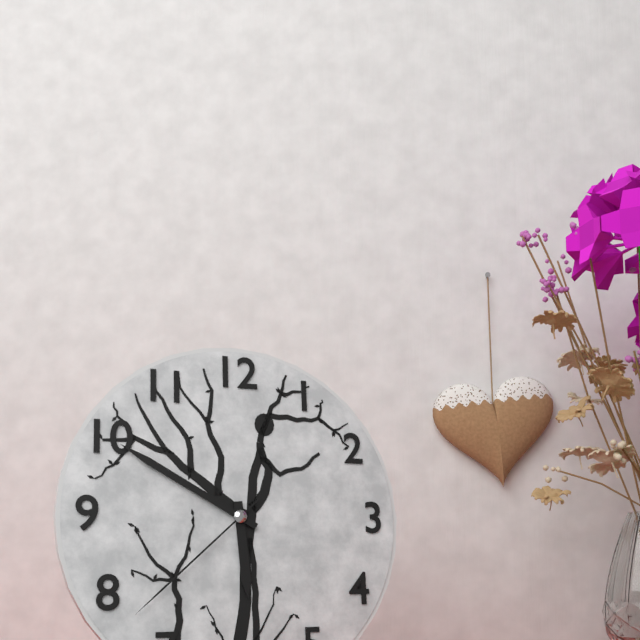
5:50:38
